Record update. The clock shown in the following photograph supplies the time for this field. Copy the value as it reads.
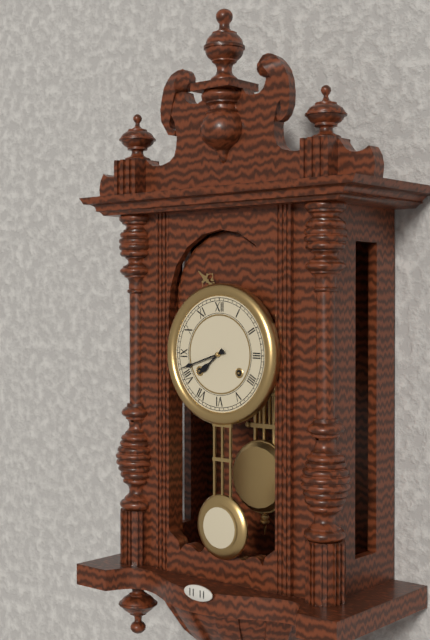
7:42
